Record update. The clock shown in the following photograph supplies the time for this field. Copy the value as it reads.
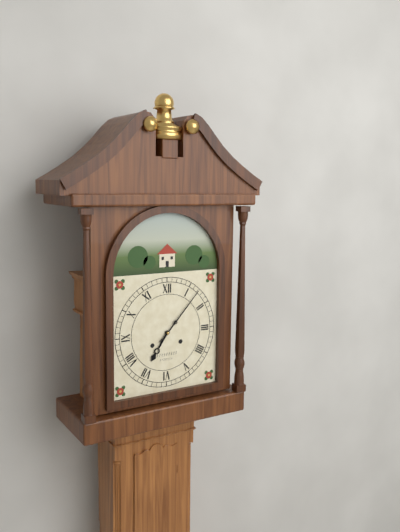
7:07
